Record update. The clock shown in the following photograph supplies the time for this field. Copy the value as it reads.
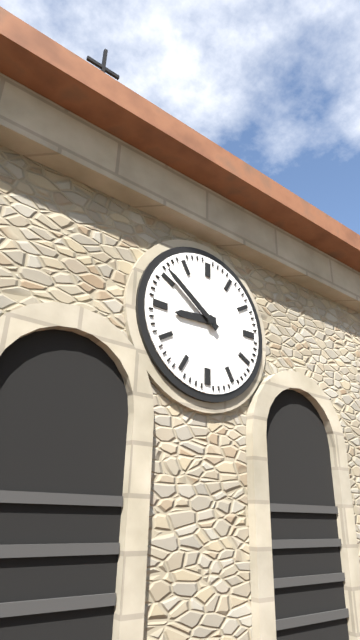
8:51
